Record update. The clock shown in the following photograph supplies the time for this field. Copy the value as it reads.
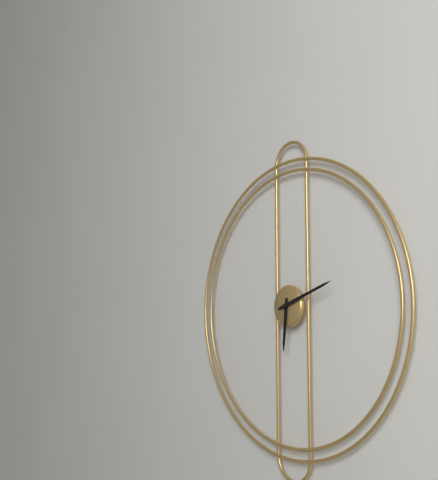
6:12
